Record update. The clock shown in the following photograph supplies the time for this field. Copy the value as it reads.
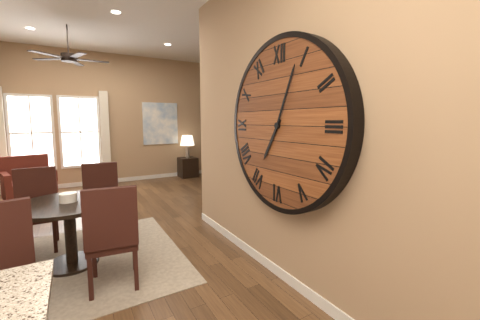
7:04
